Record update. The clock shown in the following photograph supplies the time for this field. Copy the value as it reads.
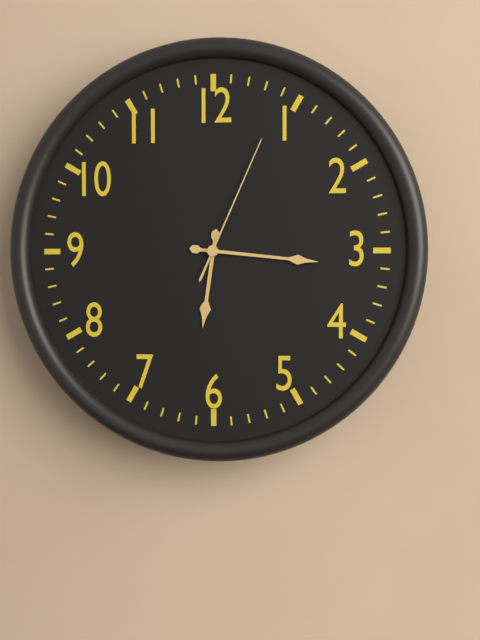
6:16:04
